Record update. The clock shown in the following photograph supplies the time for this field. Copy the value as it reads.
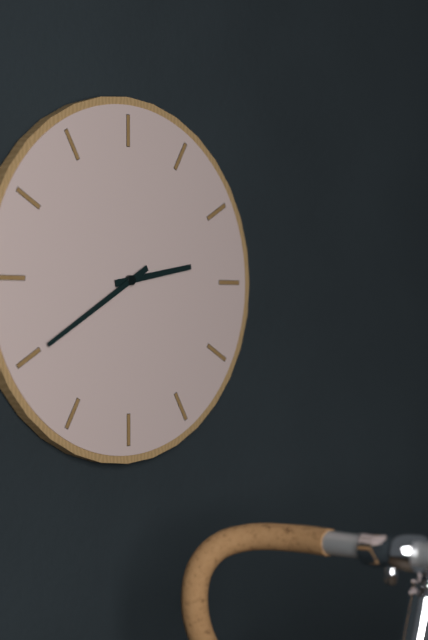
2:40
